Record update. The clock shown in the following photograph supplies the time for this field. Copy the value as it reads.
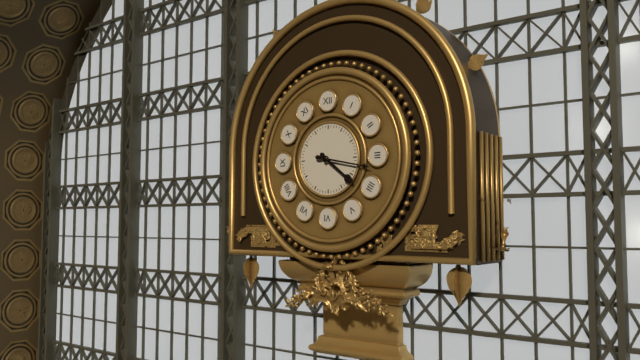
4:17
